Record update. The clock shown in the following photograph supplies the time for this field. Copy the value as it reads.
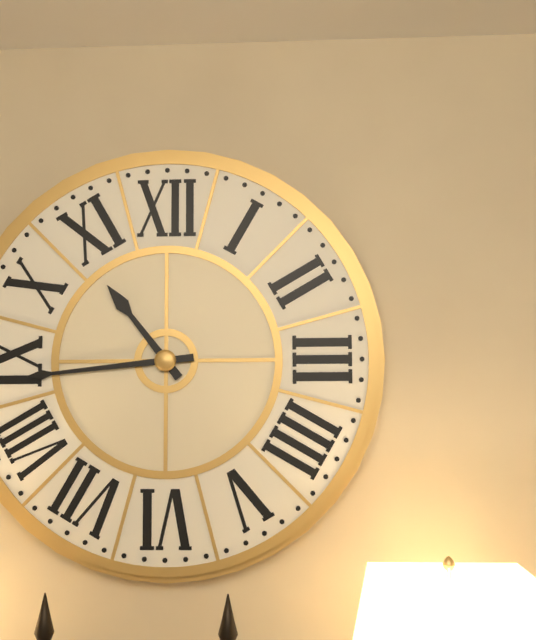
10:44
